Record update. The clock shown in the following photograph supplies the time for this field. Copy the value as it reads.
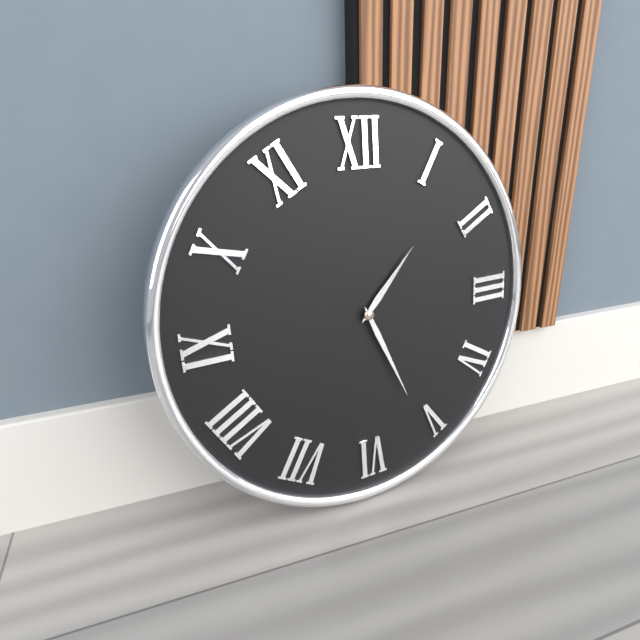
1:26
